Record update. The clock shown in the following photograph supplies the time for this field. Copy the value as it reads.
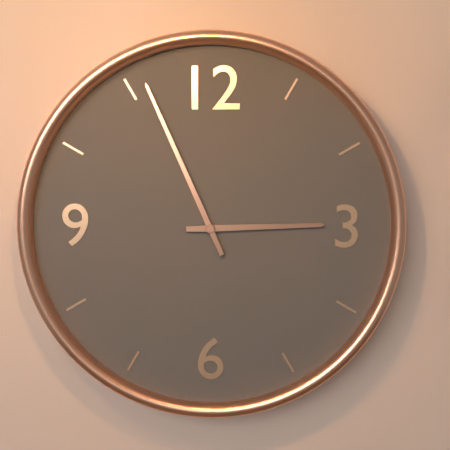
2:56
